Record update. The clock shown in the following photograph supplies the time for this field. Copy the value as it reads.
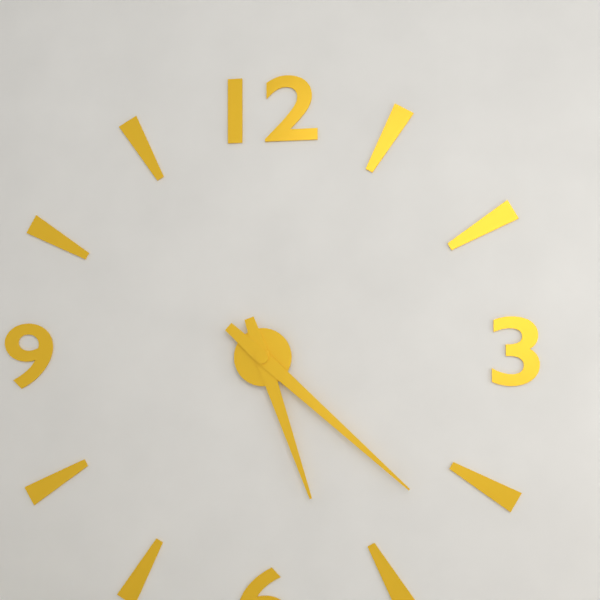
5:22
